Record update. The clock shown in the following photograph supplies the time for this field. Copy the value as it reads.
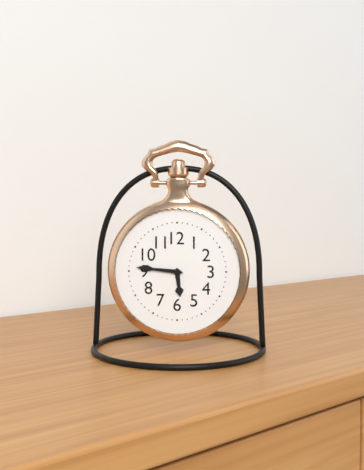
5:46
